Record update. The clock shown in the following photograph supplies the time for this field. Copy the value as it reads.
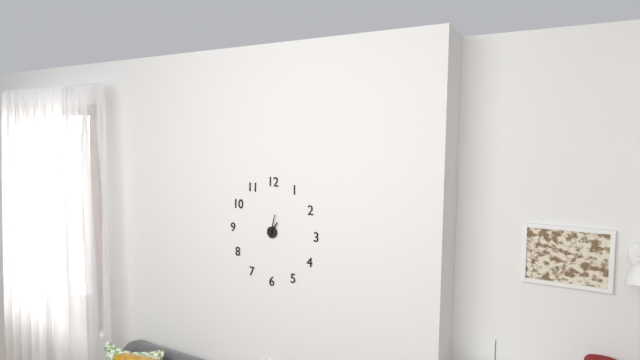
1:02
